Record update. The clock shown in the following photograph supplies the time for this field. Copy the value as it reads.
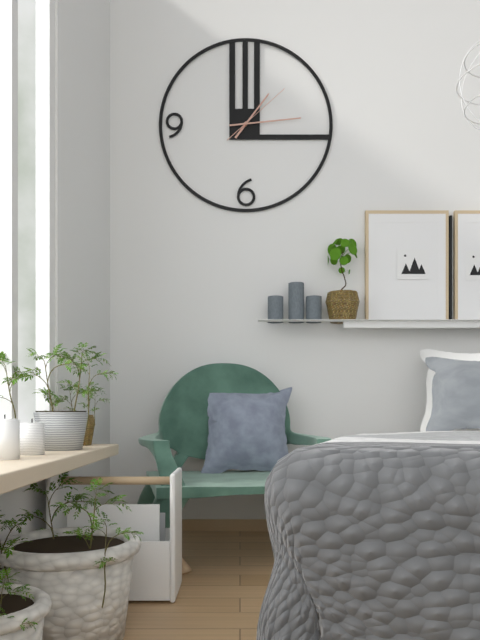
1:14:08
